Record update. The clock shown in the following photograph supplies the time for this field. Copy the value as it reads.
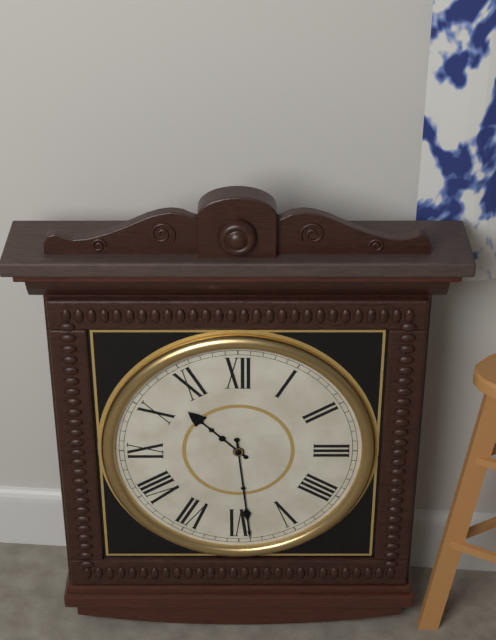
10:29
